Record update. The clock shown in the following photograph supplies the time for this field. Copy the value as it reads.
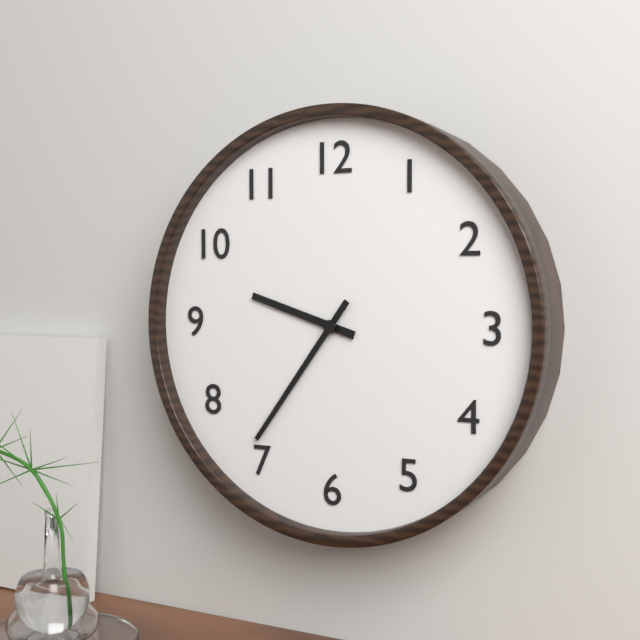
9:36
